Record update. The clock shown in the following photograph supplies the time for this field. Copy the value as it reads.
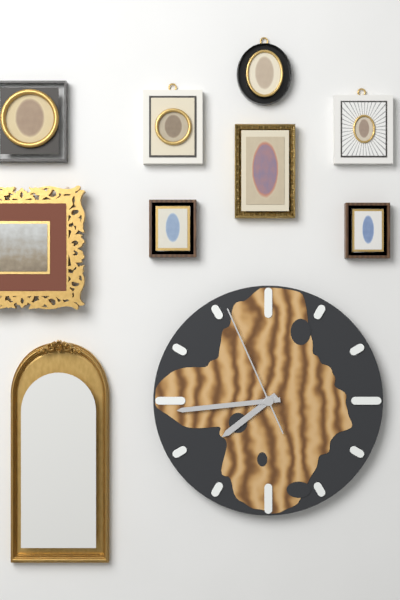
7:44:56
